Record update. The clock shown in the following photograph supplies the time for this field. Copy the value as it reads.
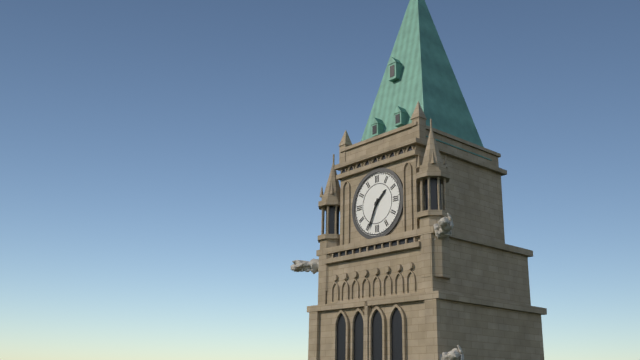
1:34
